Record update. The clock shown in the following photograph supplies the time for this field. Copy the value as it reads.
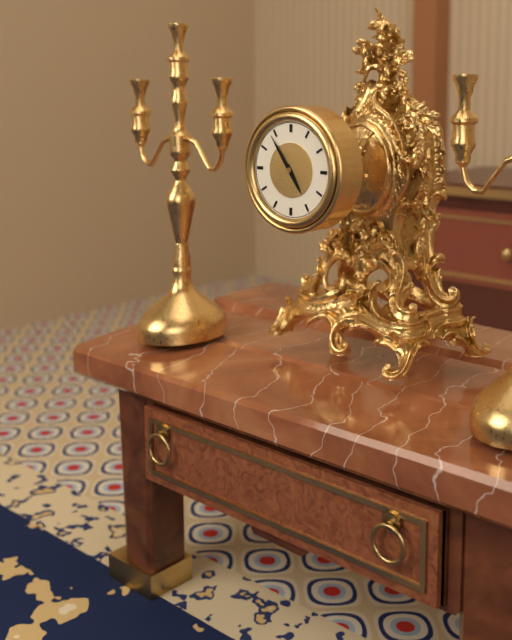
4:54
